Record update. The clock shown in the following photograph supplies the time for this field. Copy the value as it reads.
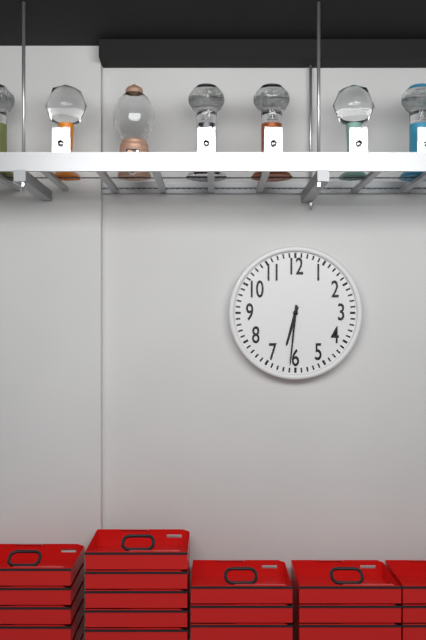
6:31
